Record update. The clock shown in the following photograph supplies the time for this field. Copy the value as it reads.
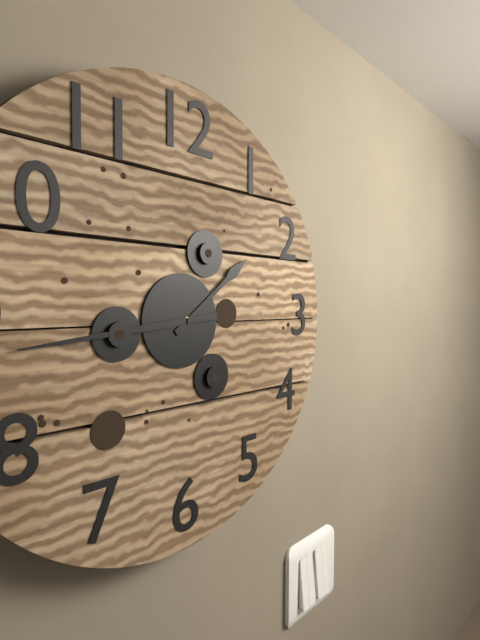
1:44
